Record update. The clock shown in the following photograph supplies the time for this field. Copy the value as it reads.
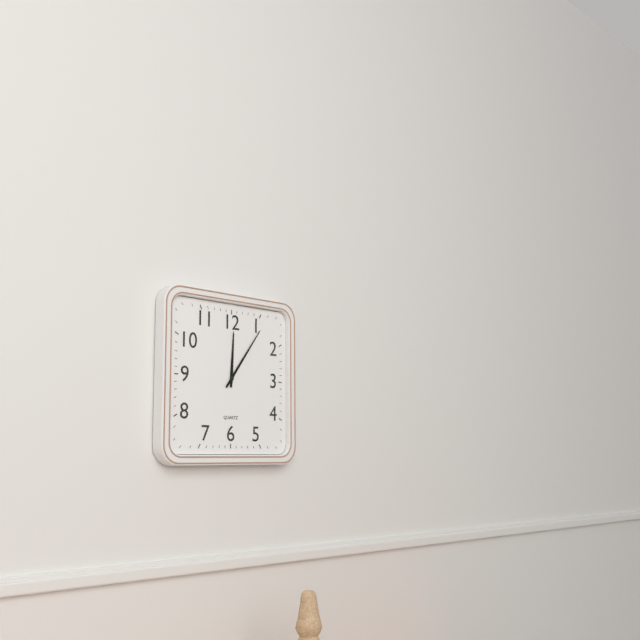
12:06
